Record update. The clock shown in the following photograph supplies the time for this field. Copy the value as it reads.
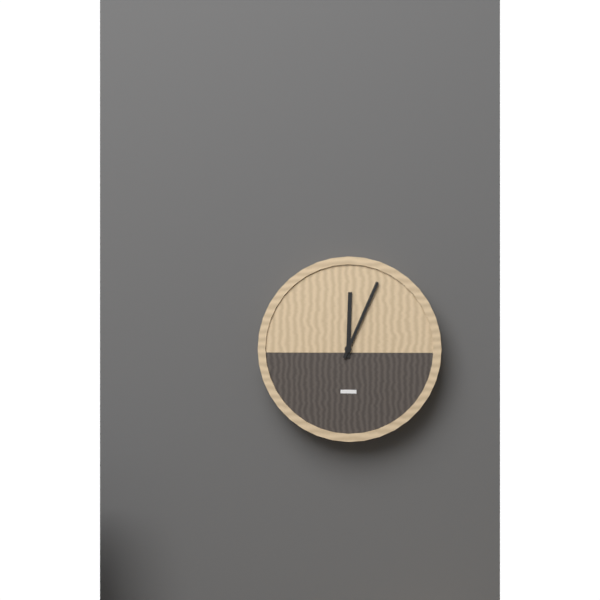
12:04
